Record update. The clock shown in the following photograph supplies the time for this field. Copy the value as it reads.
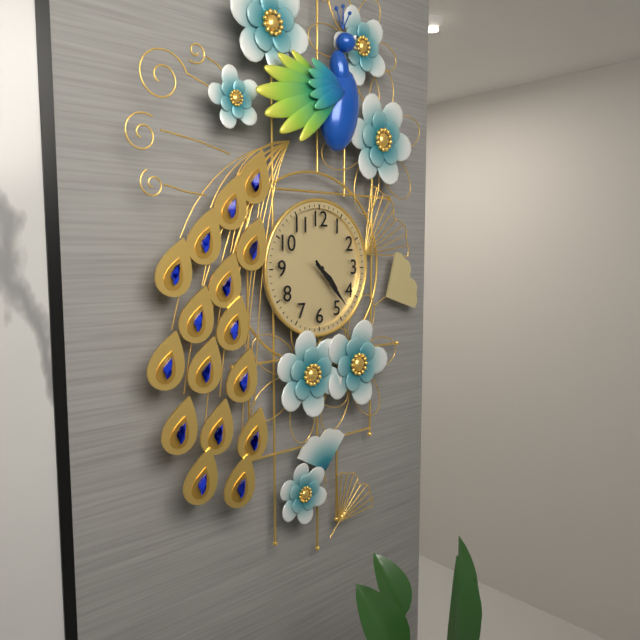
4:23
